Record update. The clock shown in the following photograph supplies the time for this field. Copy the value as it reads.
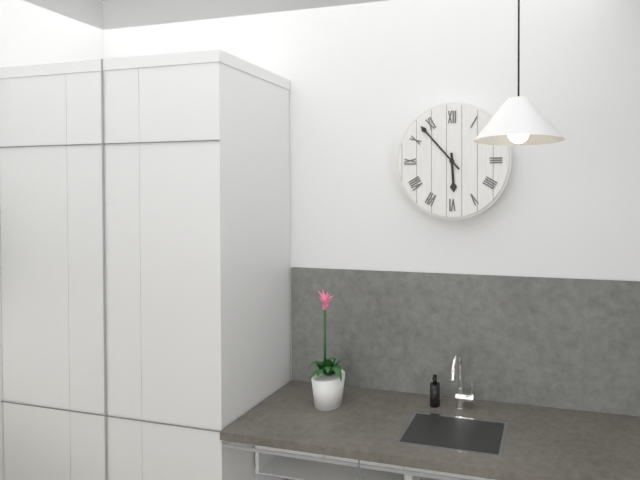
5:53
